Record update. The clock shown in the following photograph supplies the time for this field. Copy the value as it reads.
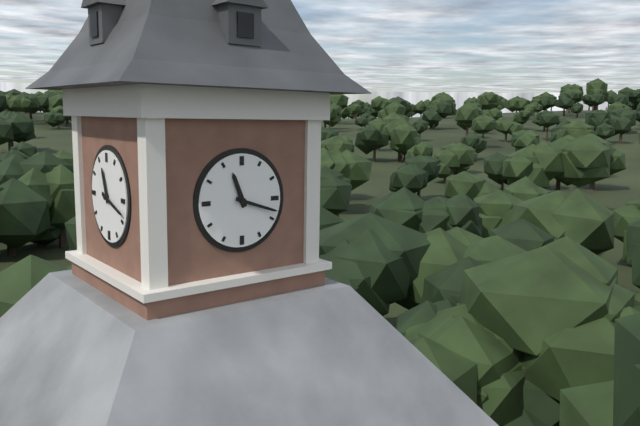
11:18
